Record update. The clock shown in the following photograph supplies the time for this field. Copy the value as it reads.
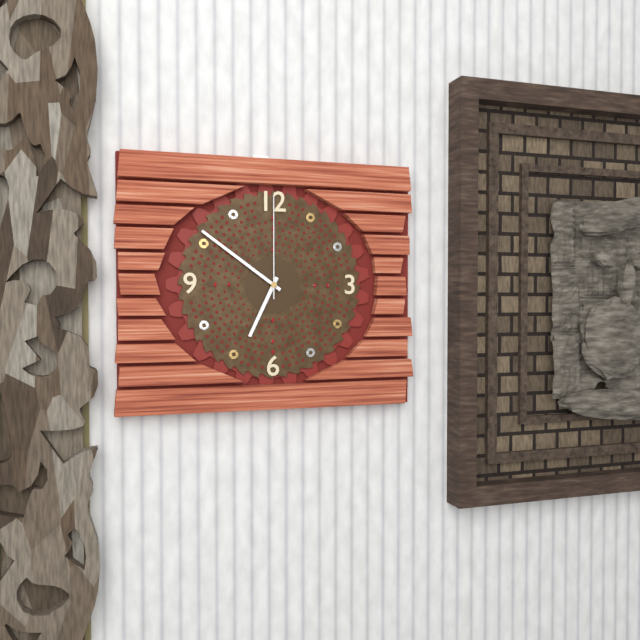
6:51:00
